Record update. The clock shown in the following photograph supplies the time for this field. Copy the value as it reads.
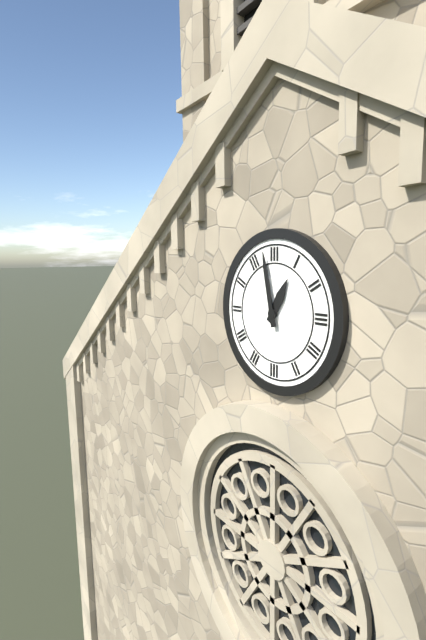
12:58
